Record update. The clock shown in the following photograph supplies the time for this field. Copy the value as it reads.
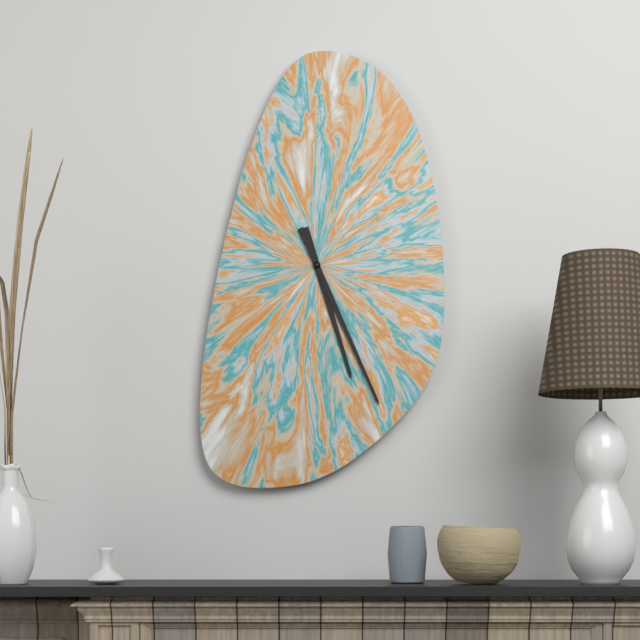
5:26
